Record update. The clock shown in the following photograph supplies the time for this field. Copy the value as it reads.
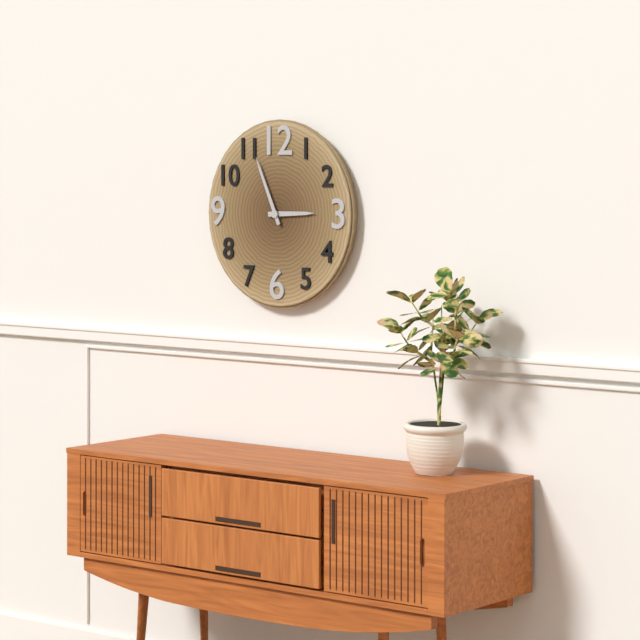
2:56
